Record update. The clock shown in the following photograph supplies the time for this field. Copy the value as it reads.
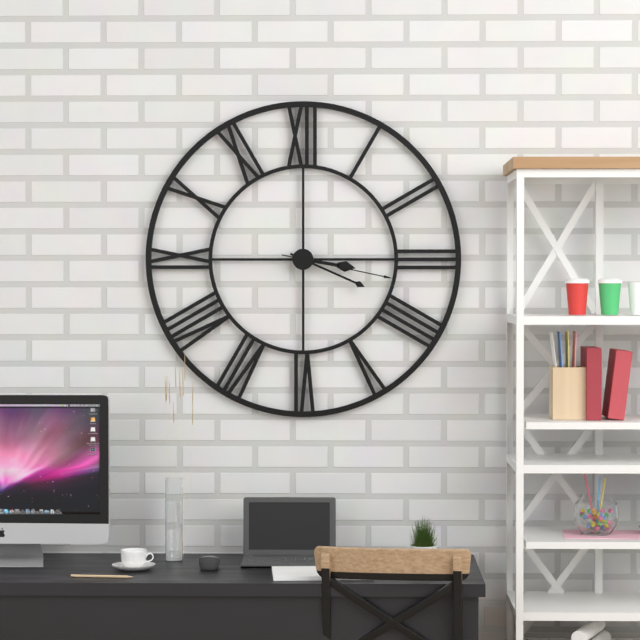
3:19:17
